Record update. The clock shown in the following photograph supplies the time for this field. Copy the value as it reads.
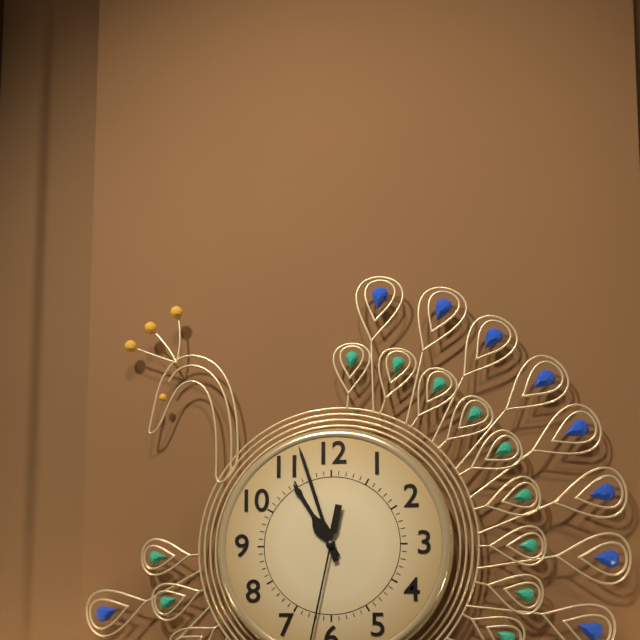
10:57
